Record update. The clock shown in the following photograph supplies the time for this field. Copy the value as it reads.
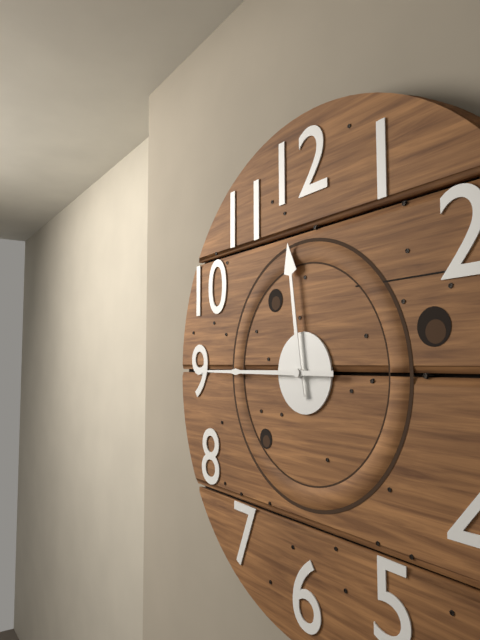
11:45
